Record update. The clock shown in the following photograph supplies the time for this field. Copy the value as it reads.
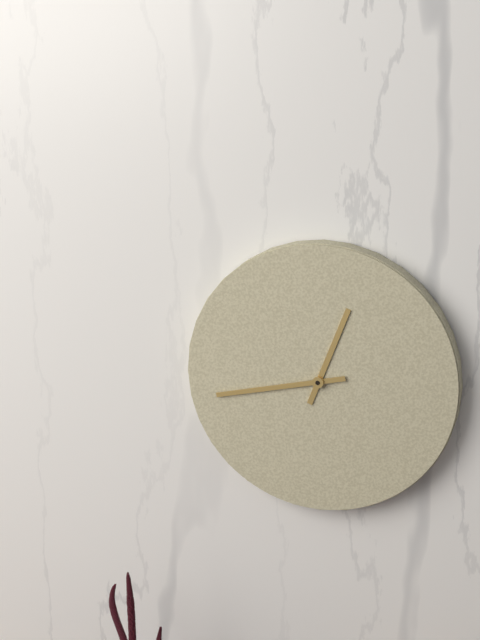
12:43
